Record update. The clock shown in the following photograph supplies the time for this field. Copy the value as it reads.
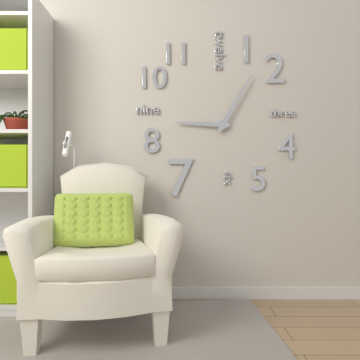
9:05
